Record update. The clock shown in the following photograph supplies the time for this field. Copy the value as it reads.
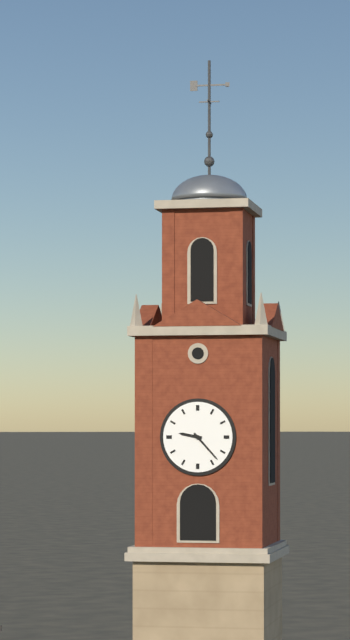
9:23
